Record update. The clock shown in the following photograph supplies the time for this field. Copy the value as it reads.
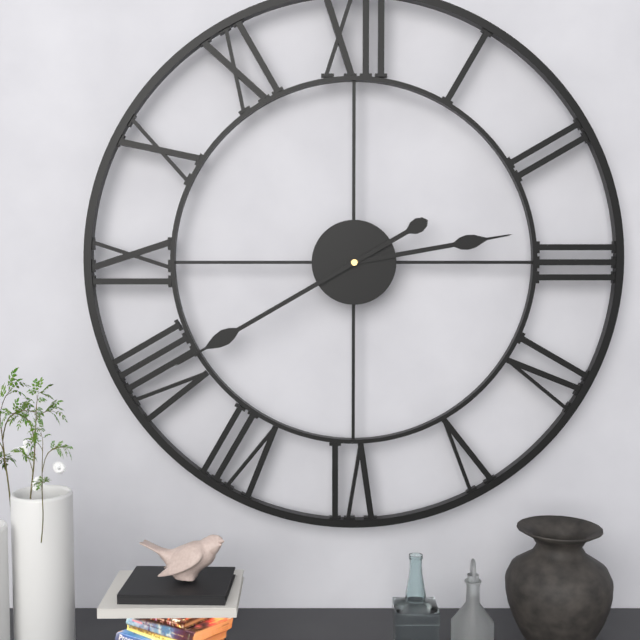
2:40
